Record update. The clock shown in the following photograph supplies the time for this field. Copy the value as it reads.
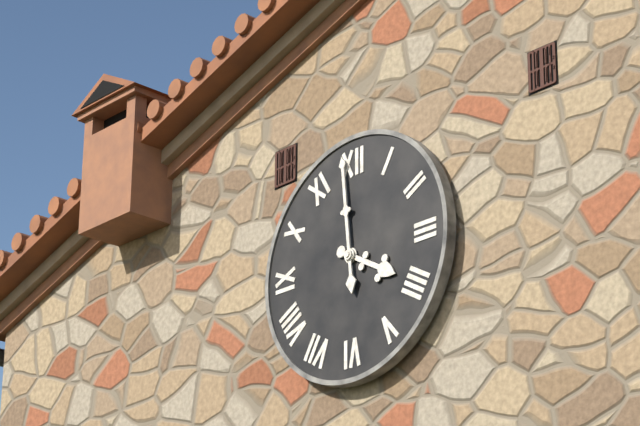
3:59
